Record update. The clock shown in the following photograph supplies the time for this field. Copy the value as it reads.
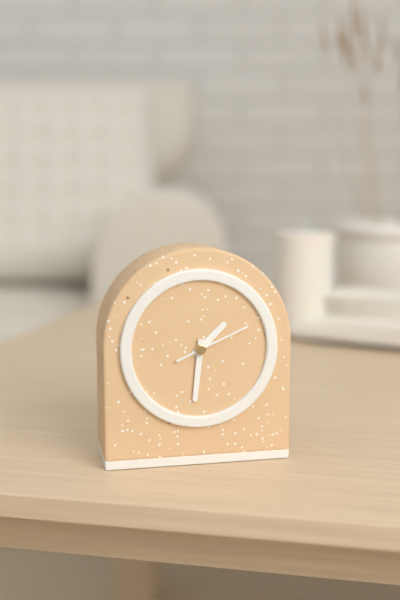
1:31:11
